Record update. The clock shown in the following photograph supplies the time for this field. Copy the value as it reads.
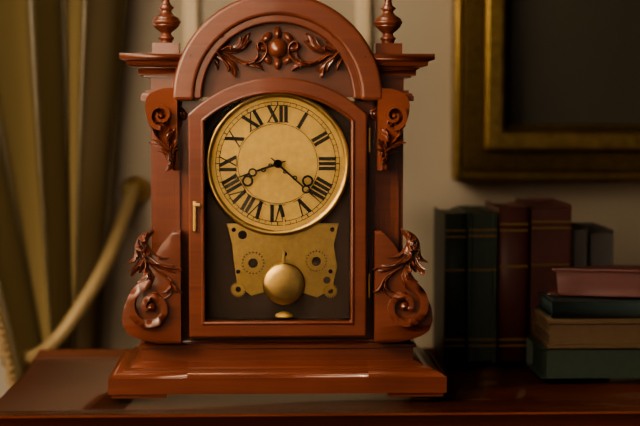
8:22
